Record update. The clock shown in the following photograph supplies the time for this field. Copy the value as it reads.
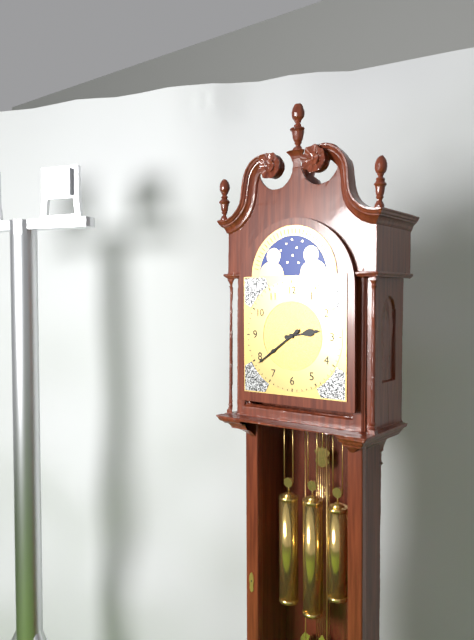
2:39
